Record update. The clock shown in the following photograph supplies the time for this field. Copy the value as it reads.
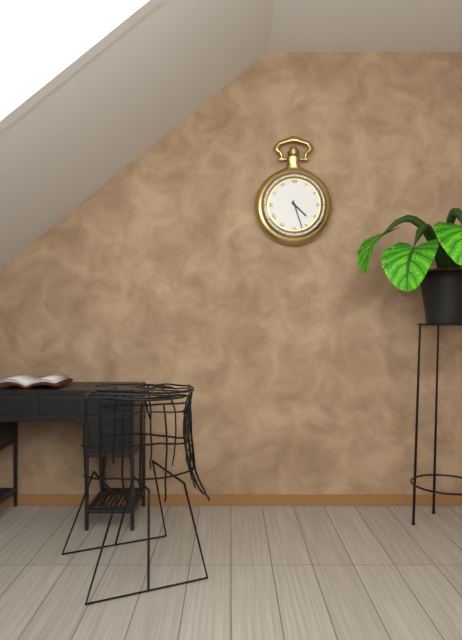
4:27
